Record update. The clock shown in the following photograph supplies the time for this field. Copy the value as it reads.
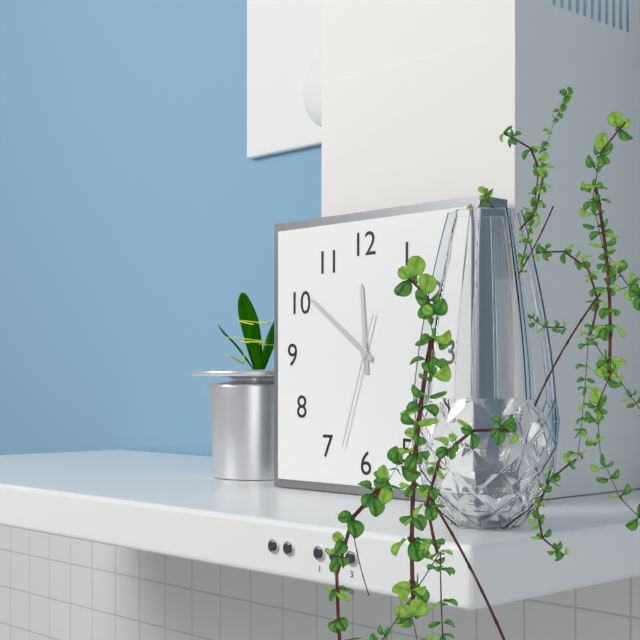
11:51:33
